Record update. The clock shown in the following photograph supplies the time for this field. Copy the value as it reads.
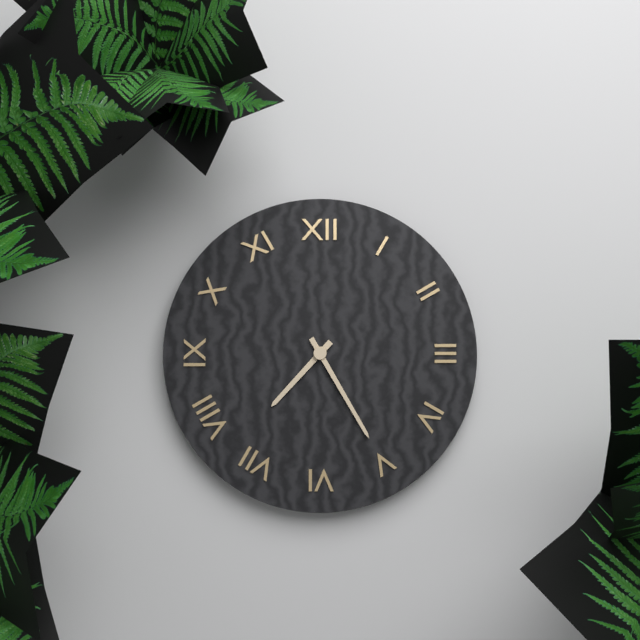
7:25
